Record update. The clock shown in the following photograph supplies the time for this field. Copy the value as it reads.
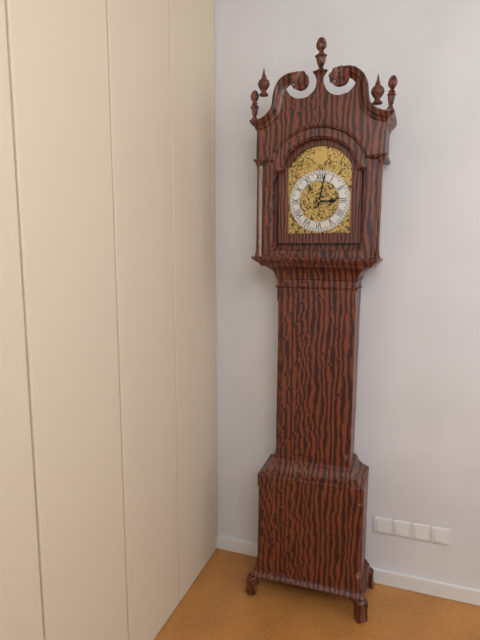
3:02
